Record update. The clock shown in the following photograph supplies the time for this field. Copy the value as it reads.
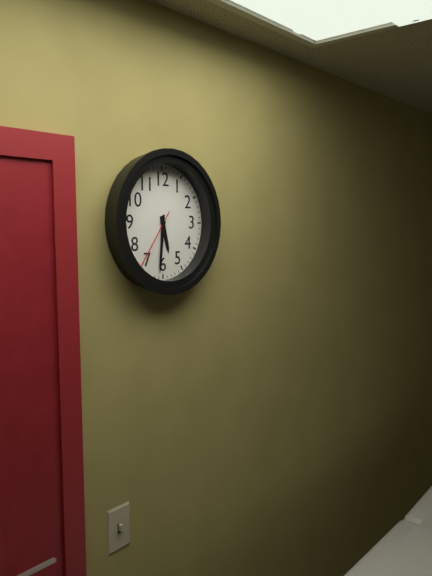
5:31:36
